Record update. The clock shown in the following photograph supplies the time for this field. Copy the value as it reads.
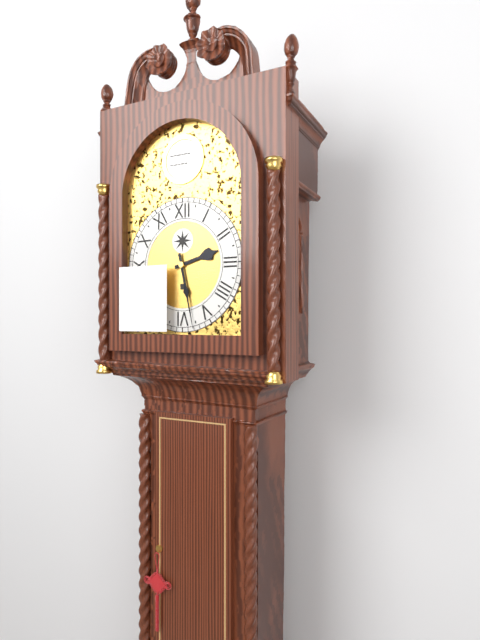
2:28
